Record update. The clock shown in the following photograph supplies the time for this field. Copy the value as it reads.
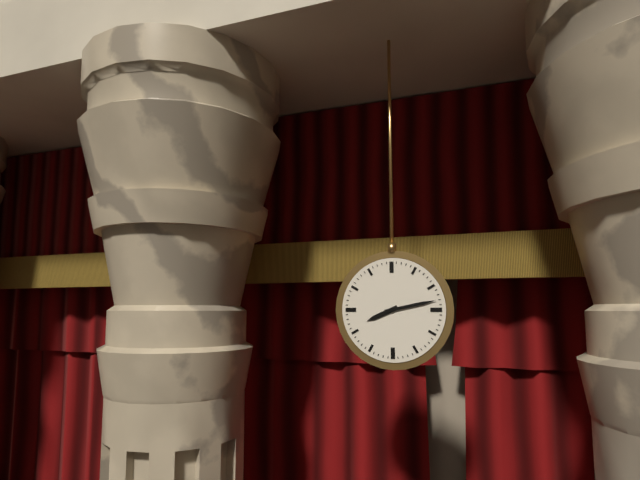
8:13
